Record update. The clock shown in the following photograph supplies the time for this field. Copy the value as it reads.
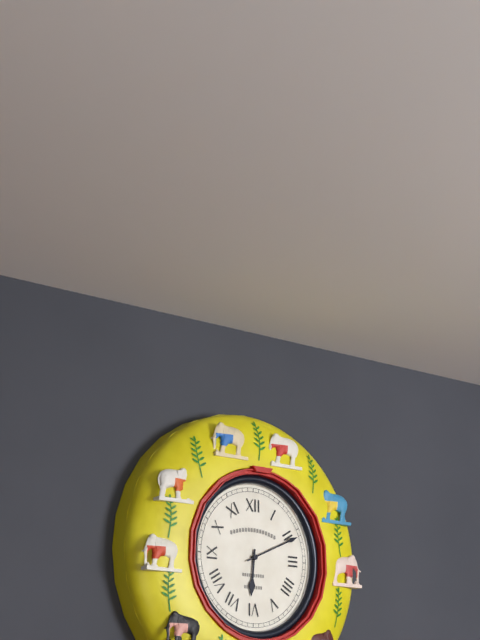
6:11
